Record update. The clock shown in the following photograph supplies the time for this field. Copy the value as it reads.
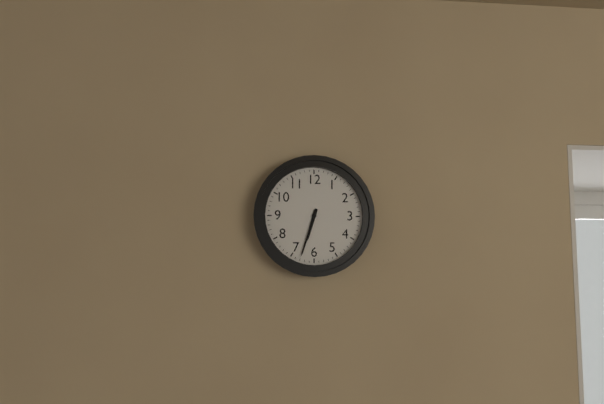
6:33
